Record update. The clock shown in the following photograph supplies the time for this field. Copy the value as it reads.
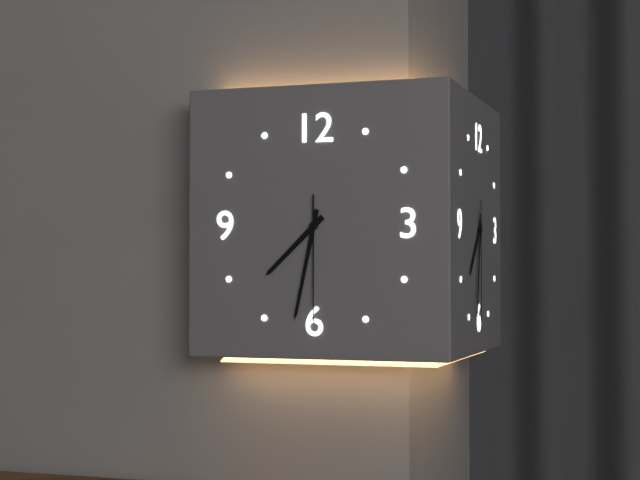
7:32:30
